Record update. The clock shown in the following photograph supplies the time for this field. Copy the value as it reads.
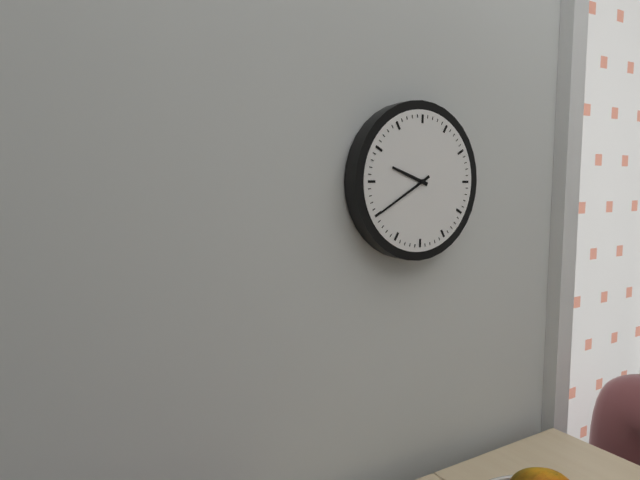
9:40
